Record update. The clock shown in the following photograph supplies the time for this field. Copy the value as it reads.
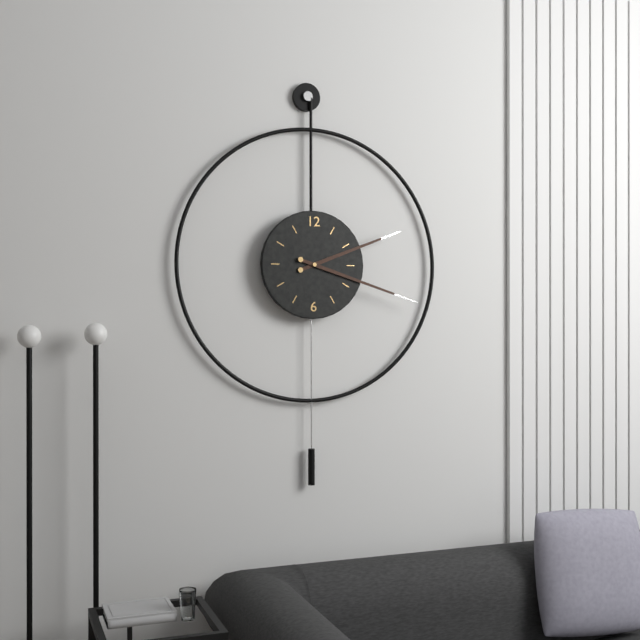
2:18
